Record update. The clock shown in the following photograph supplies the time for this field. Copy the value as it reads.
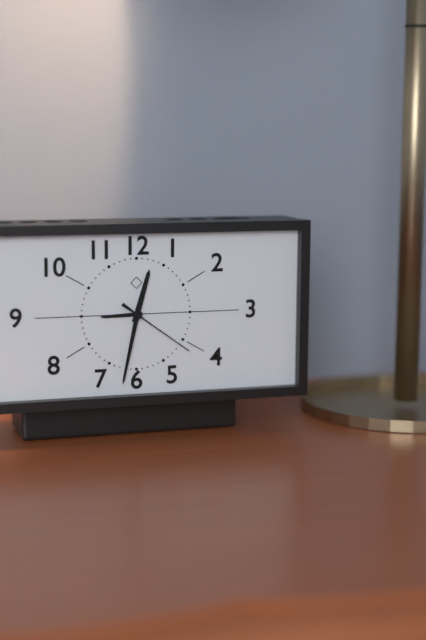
12:32:21
